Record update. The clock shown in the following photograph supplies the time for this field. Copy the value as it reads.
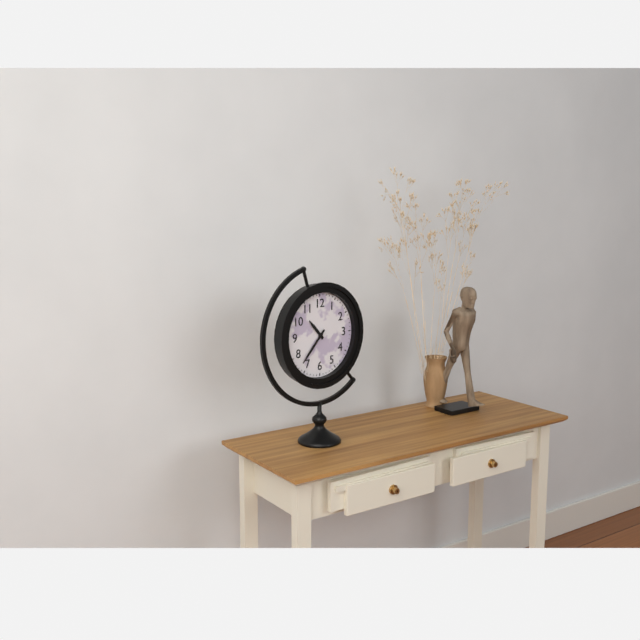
10:37
